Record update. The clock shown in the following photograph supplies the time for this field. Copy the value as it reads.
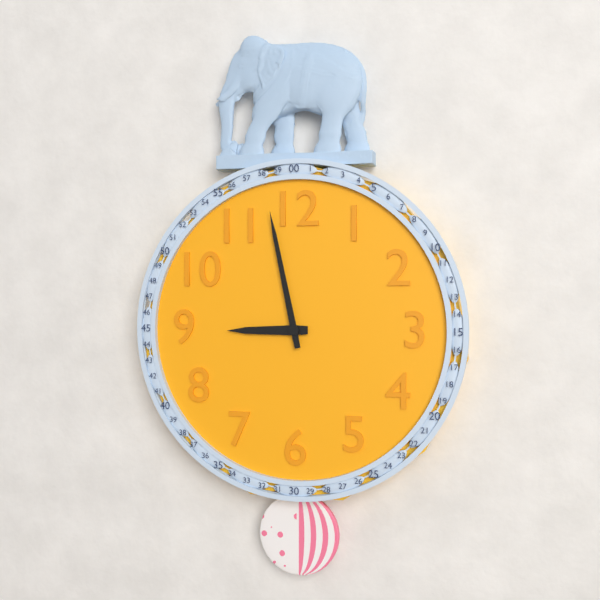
8:58
